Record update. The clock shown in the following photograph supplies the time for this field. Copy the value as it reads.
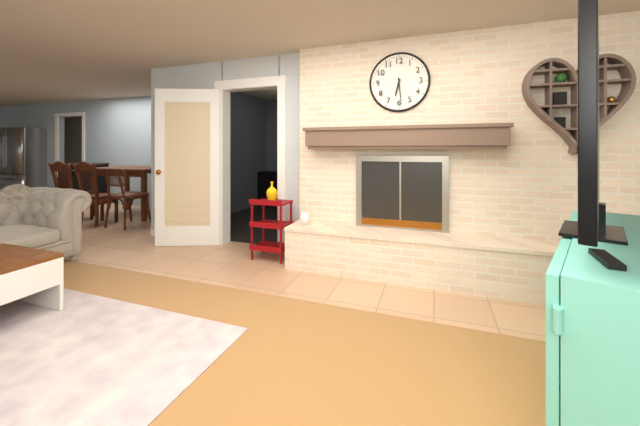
6:29
